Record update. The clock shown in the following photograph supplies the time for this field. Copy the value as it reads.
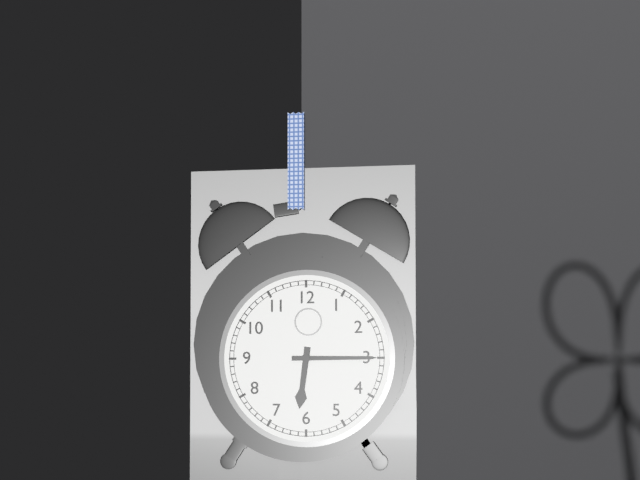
6:15
